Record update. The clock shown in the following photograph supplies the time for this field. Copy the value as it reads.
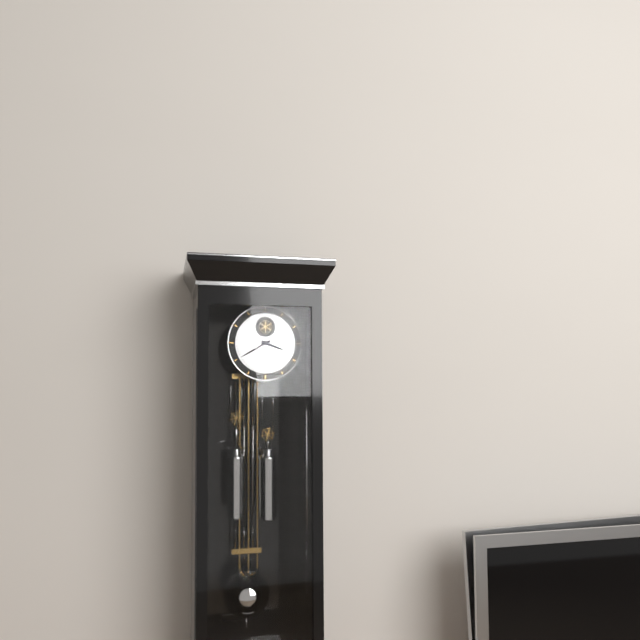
3:40
